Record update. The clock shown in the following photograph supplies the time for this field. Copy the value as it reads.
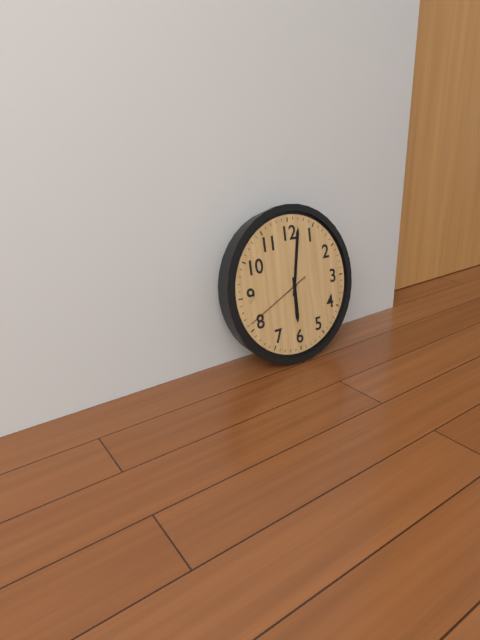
6:02:41
